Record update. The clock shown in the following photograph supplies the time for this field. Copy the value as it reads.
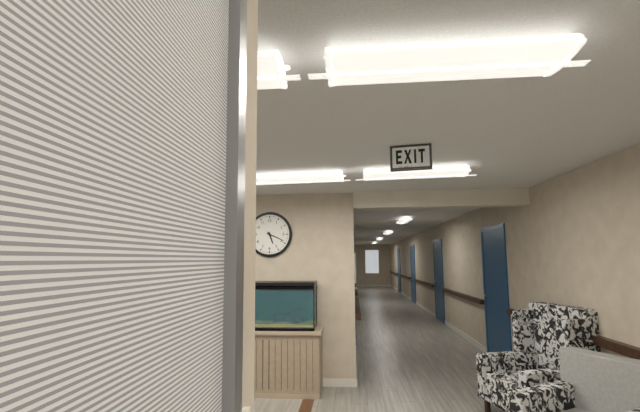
5:19
